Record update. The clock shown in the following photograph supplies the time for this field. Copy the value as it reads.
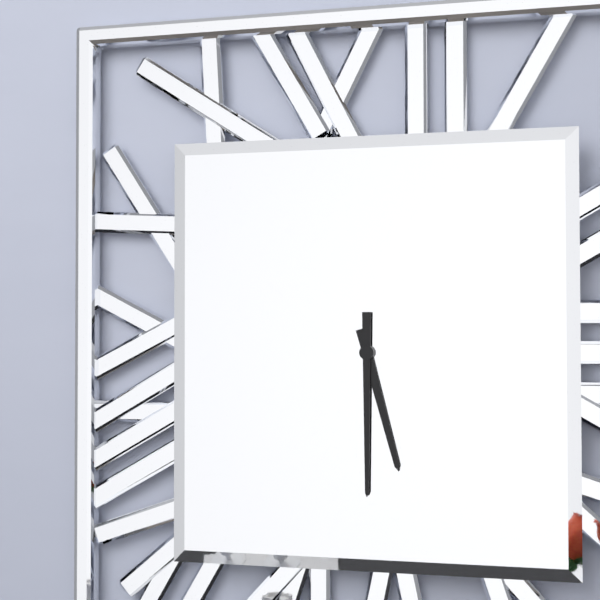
5:30
